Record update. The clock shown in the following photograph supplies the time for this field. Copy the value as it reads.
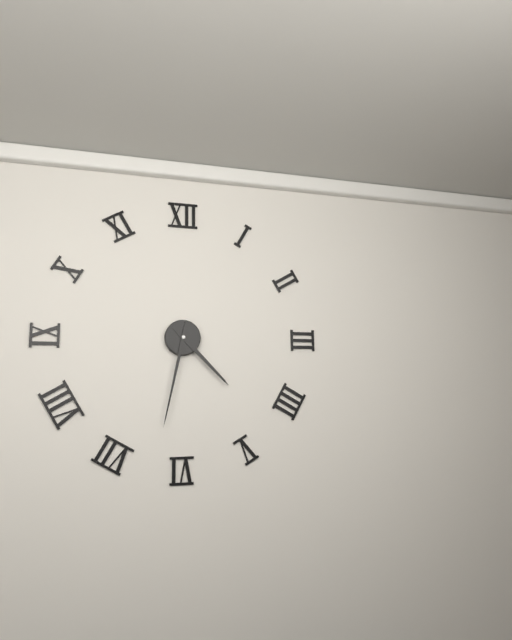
4:32
